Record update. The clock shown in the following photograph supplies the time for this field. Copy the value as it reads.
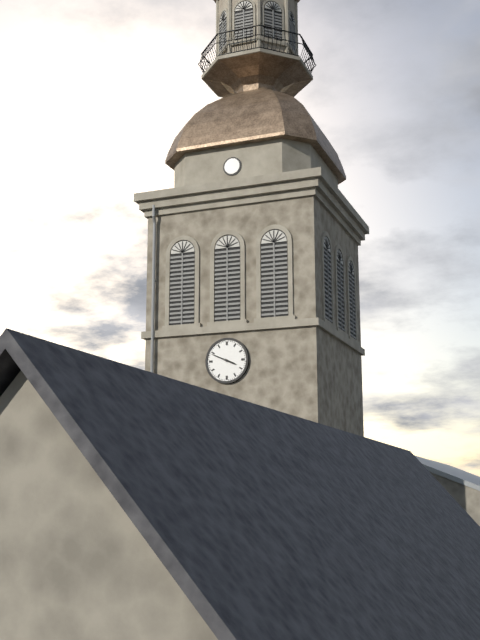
3:49
